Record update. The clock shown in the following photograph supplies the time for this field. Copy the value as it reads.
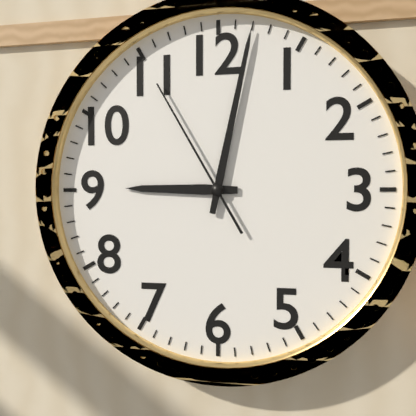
9:02:55
